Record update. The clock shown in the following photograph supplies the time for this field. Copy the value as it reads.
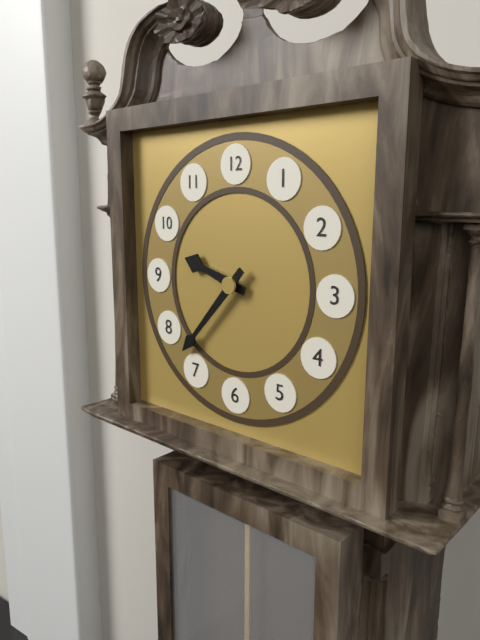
9:37
